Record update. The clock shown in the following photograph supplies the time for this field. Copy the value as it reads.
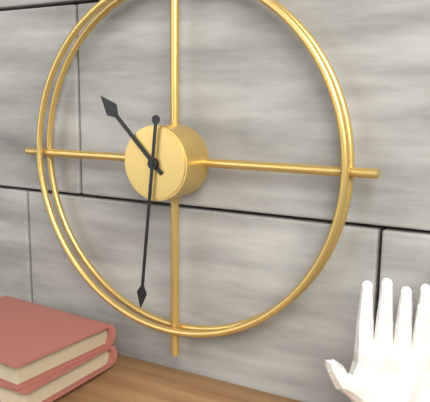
10:31
